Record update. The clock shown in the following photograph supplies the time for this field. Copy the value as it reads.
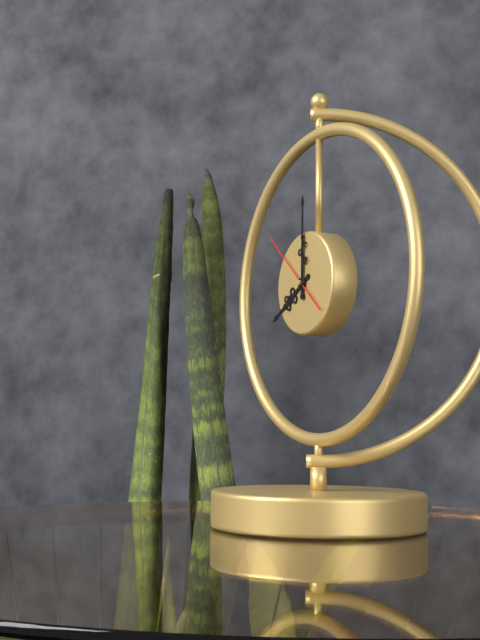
8:00:52
